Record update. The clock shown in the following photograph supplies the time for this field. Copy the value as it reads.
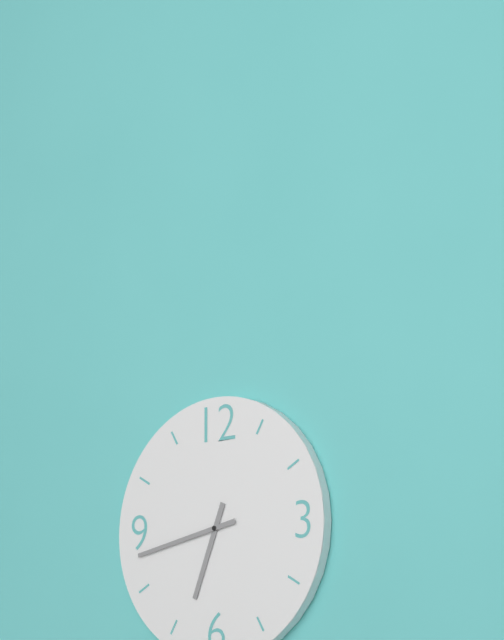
6:43
